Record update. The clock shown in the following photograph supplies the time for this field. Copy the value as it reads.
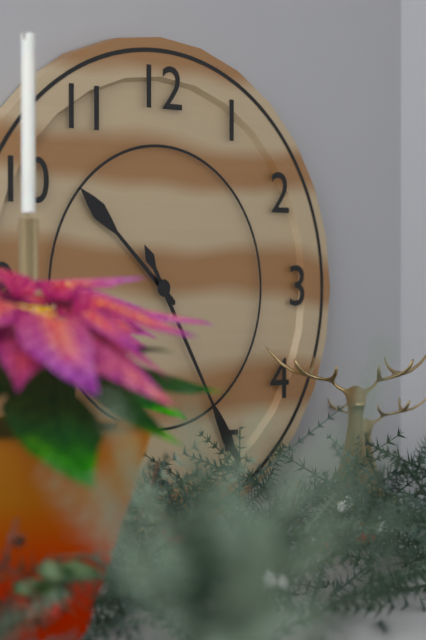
10:25
